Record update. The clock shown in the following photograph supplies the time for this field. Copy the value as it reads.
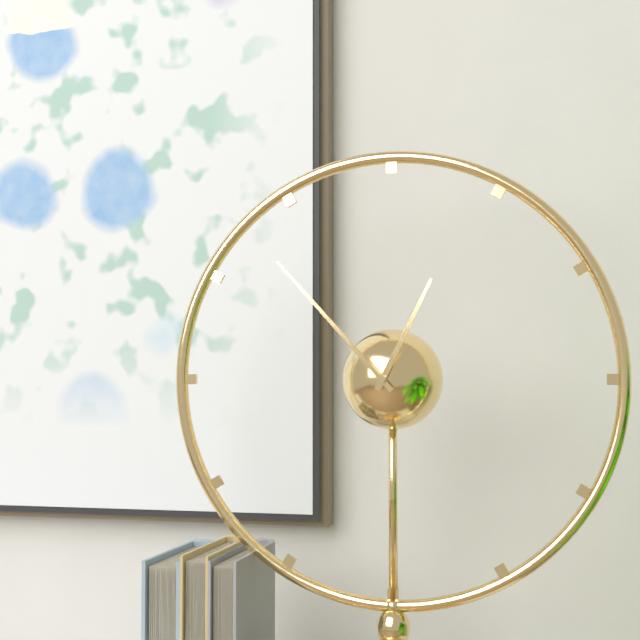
12:53
